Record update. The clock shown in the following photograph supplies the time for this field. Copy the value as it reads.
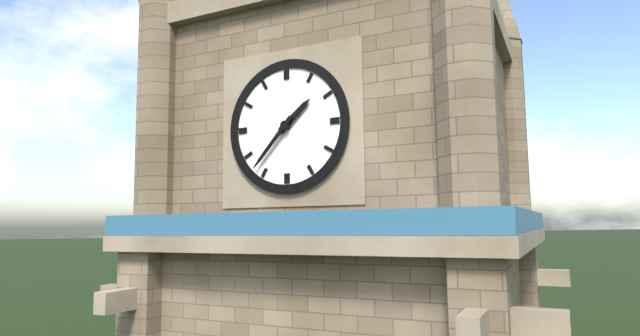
1:37
